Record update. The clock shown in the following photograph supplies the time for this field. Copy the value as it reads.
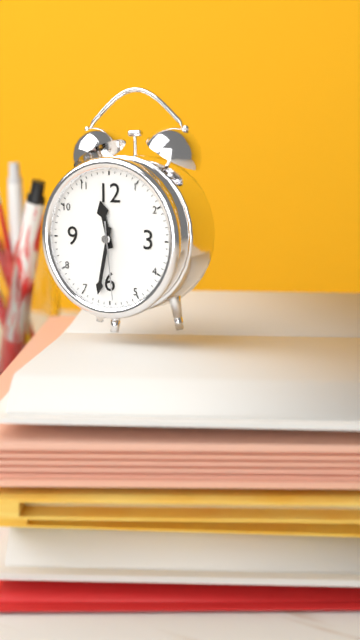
11:32:29
